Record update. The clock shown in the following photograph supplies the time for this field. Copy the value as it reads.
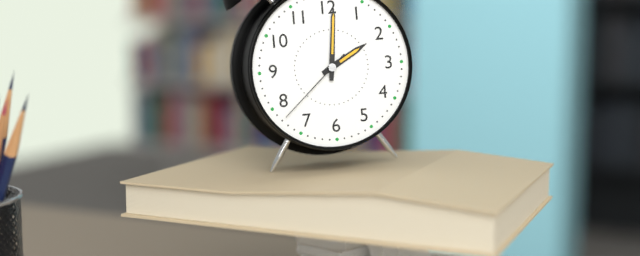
2:01:38
